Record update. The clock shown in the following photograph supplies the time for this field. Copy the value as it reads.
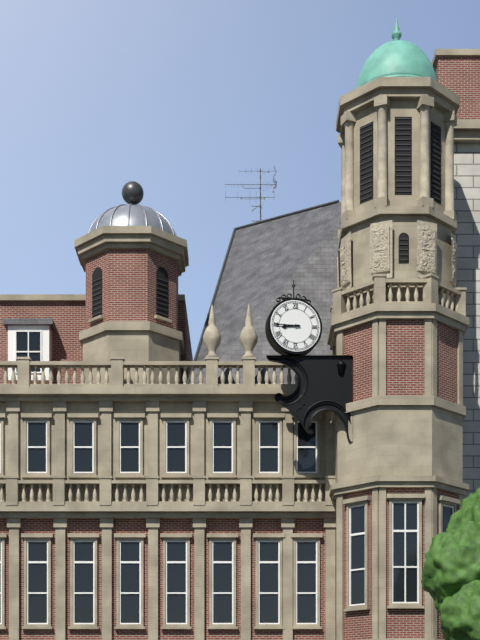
8:45
